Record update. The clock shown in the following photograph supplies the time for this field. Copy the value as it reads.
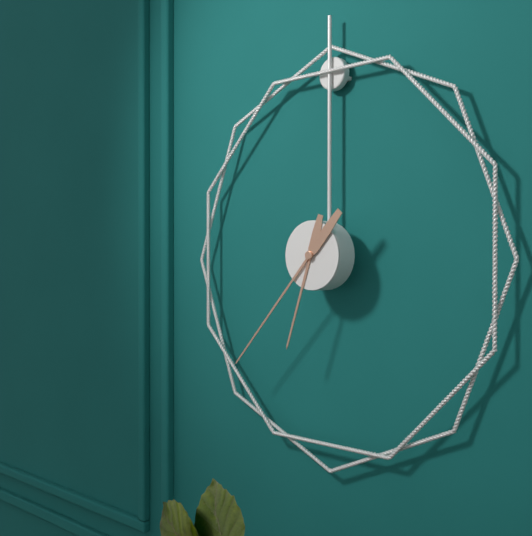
6:37
